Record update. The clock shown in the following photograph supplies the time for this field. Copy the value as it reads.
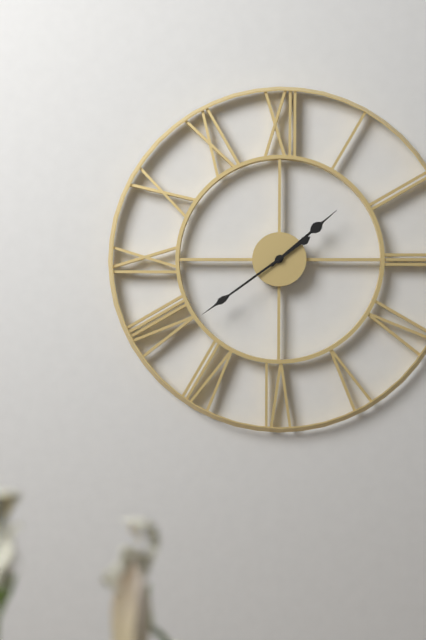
1:39
